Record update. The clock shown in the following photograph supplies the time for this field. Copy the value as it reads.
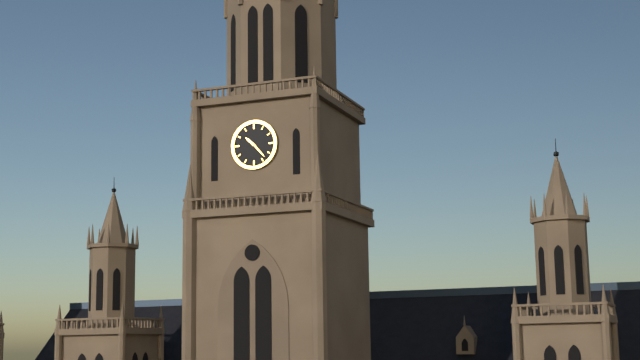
10:23
